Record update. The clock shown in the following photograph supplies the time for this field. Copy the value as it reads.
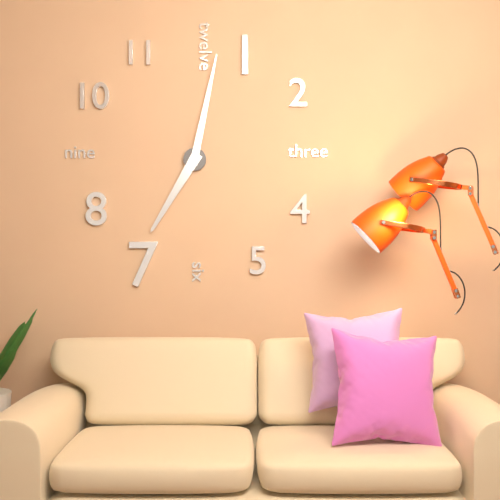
7:02
